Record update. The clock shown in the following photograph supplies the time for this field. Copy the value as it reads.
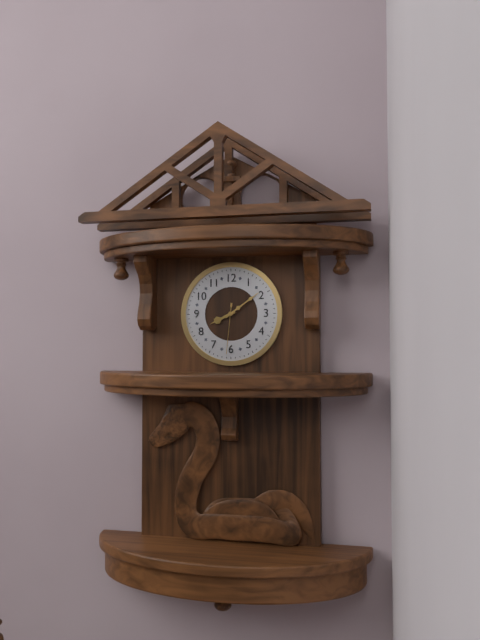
8:09:31
